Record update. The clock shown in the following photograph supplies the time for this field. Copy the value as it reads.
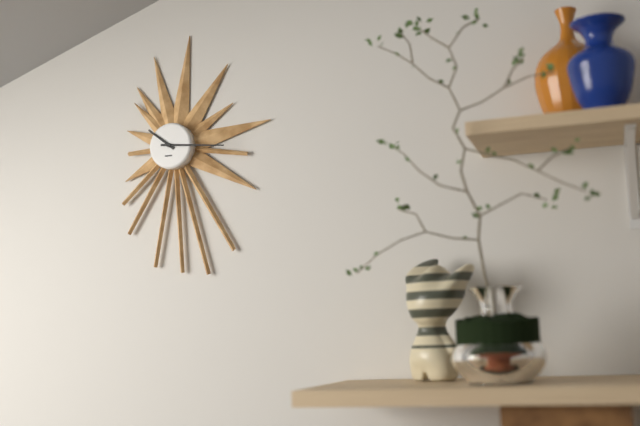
10:16
